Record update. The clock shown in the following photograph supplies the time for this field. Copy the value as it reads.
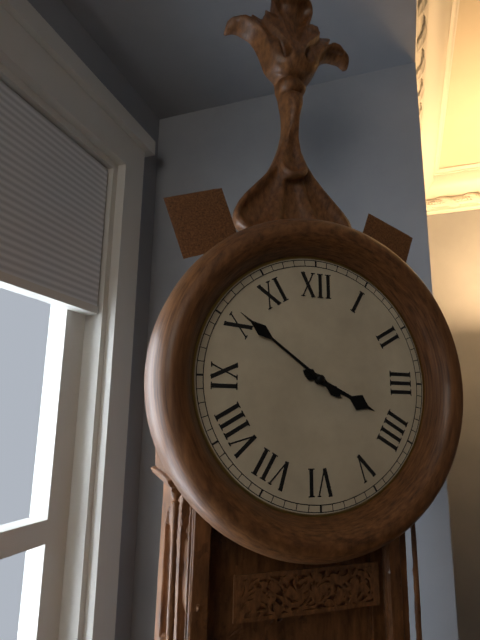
3:51
